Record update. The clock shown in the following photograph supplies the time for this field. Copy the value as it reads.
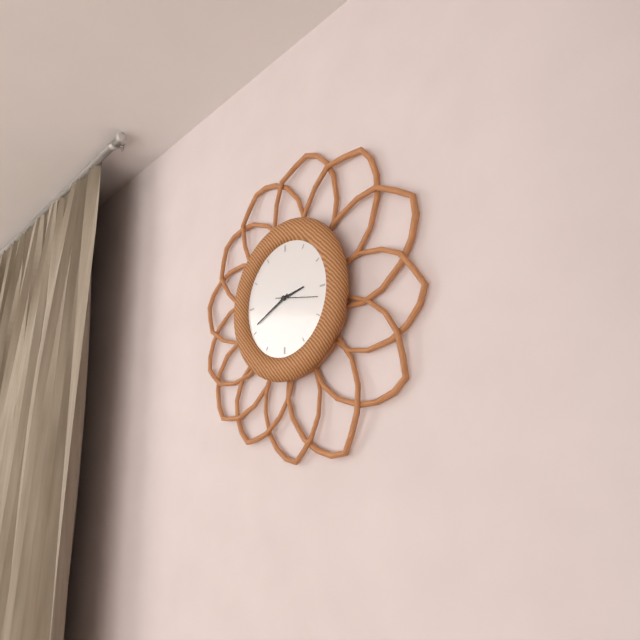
2:41
